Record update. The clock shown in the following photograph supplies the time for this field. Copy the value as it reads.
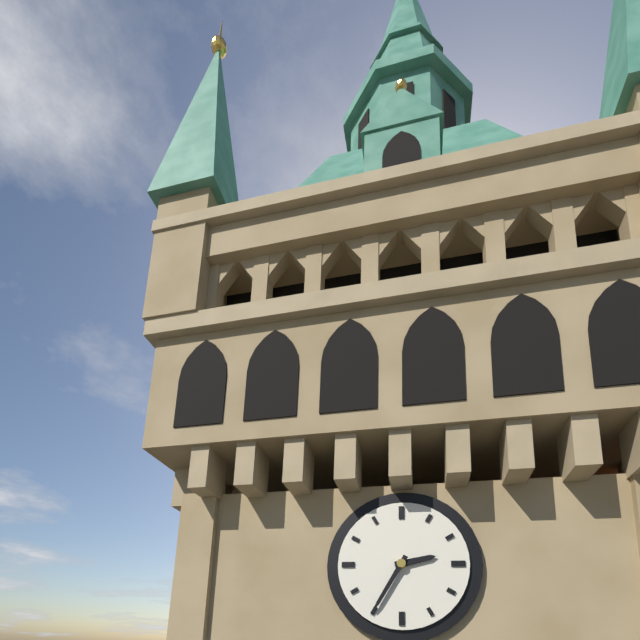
2:35
